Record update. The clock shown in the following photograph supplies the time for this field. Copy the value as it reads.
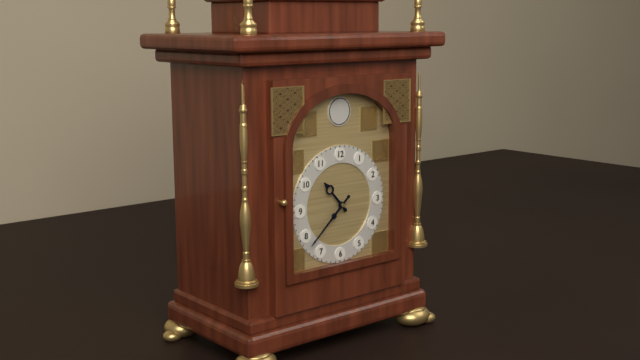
10:38
